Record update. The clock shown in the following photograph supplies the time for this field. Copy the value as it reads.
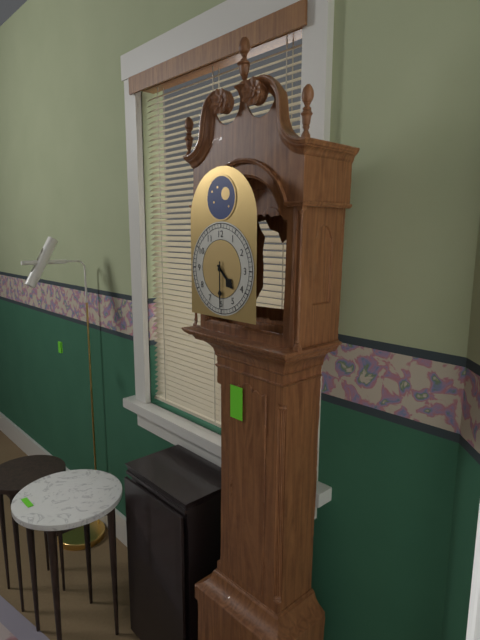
4:30
